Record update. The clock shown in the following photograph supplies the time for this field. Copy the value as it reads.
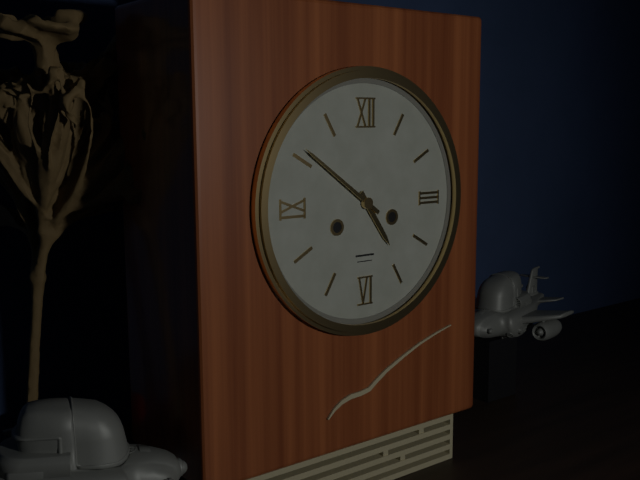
4:51
